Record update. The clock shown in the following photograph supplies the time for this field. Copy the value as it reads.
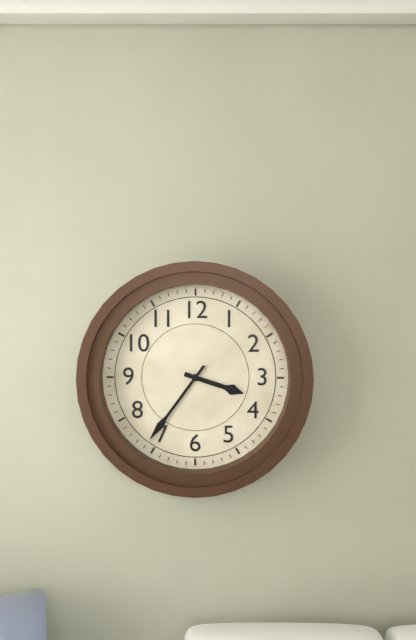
3:36
